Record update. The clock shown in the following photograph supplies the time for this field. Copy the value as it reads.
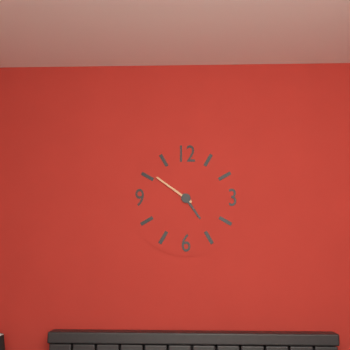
4:51
